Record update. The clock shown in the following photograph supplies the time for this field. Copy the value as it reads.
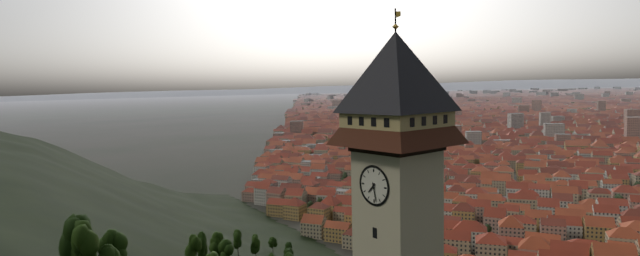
7:28
